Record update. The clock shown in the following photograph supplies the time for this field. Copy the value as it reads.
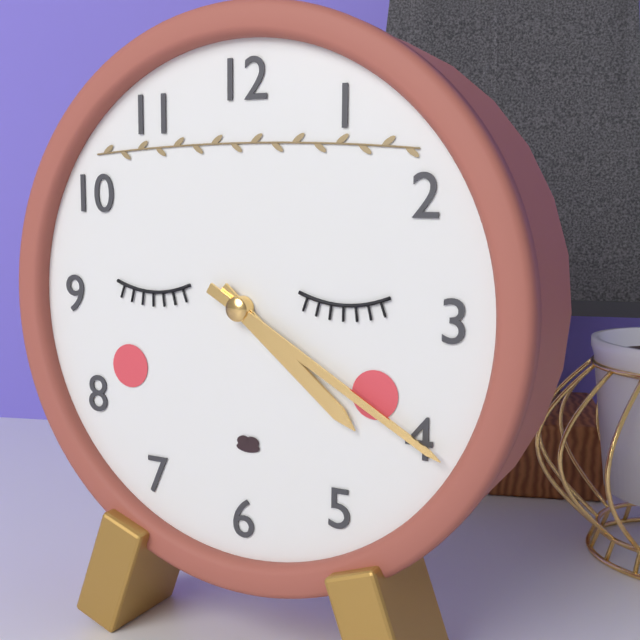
4:20
